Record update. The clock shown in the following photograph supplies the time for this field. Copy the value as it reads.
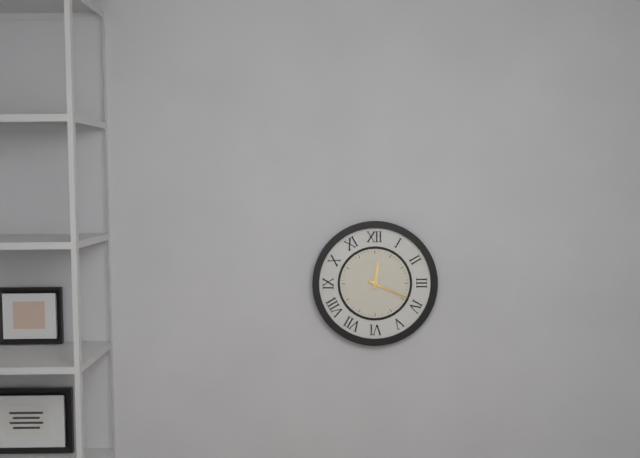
12:19
